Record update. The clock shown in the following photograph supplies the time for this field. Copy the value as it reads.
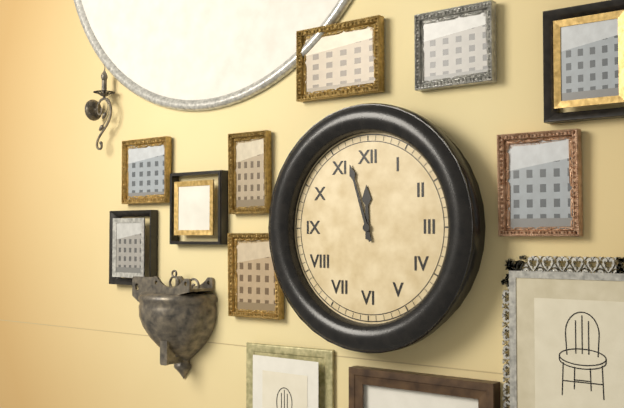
11:57
